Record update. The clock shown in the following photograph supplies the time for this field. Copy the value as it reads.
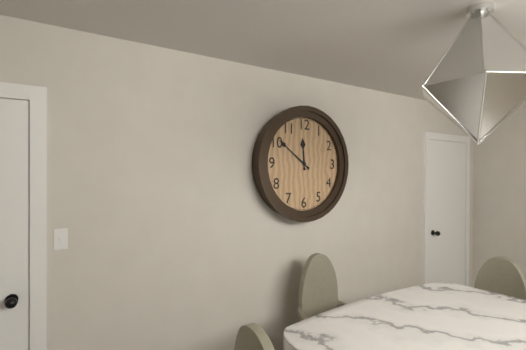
11:51
